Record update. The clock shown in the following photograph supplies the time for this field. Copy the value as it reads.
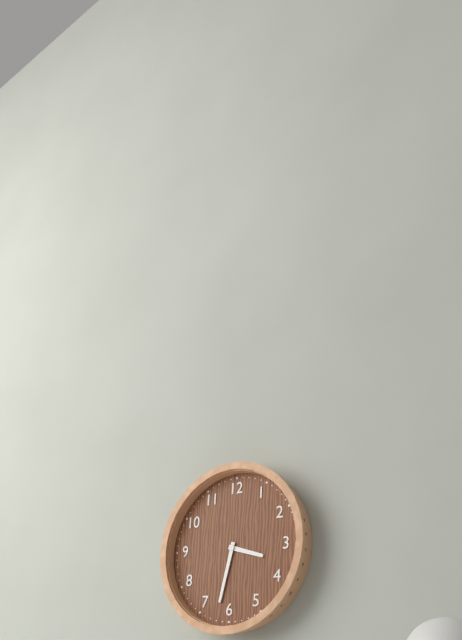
3:32
